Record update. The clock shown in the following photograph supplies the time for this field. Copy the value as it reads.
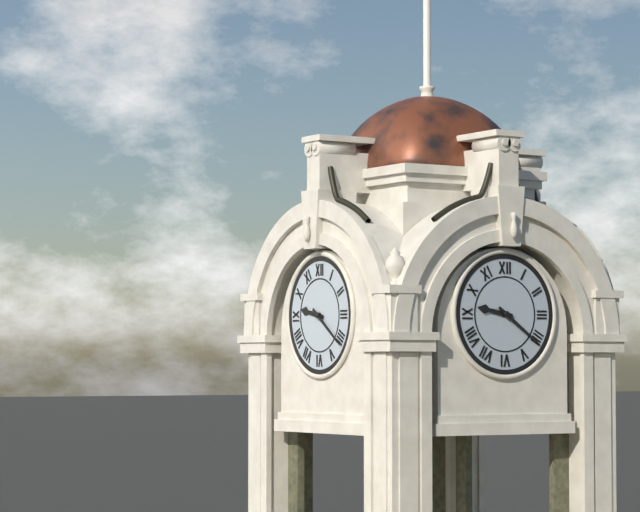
9:21
